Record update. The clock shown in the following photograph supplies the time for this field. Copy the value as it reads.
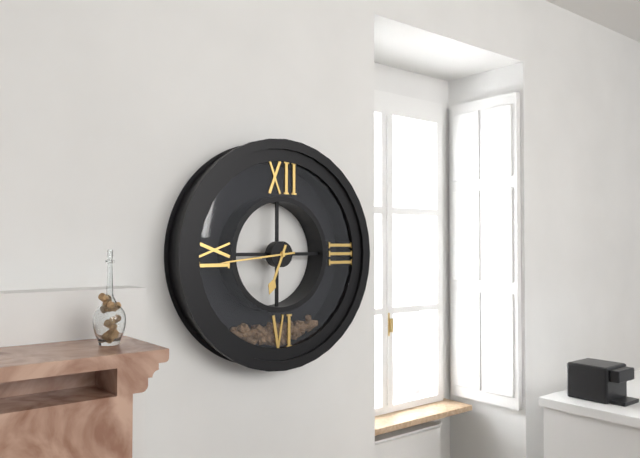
6:44
